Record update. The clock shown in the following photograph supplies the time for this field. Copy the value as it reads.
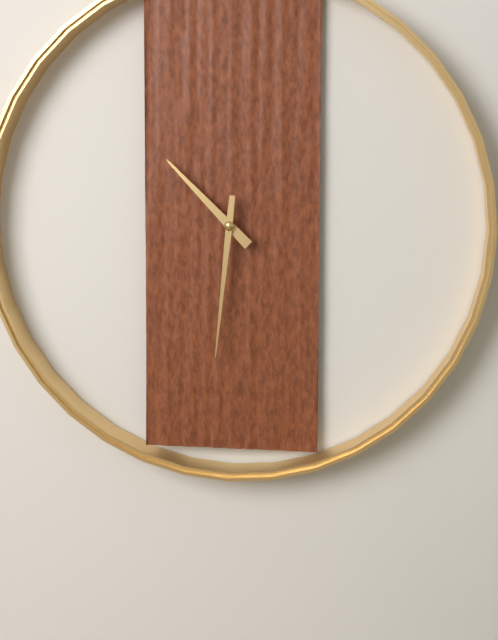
10:31
